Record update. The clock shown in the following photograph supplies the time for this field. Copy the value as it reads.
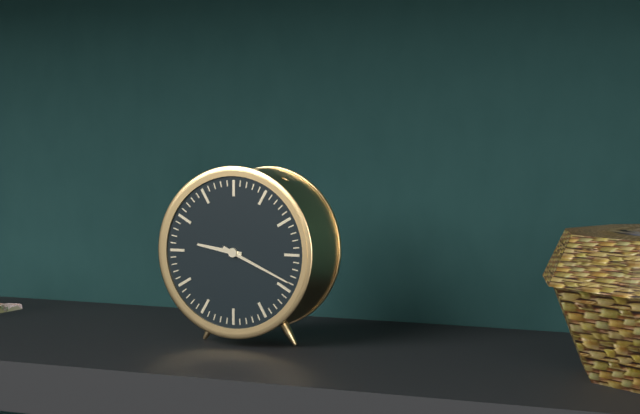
9:19
